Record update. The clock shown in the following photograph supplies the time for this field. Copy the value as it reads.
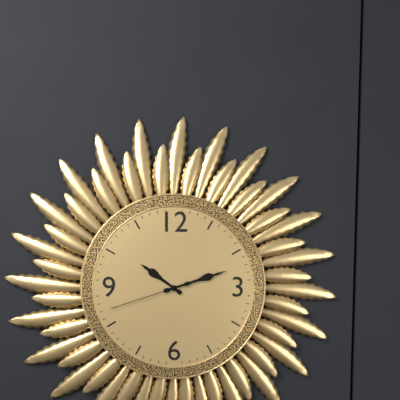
10:12:42
